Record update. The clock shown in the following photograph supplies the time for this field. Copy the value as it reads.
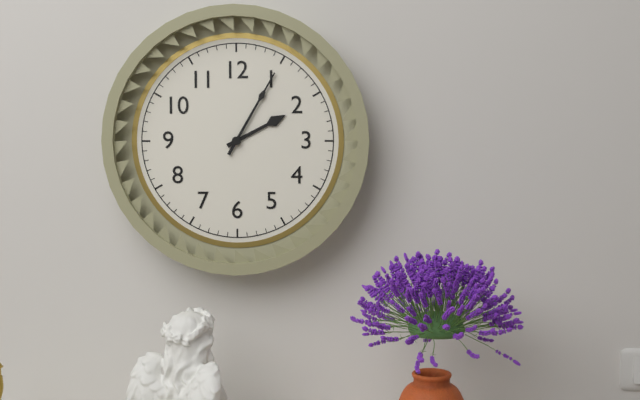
2:05
